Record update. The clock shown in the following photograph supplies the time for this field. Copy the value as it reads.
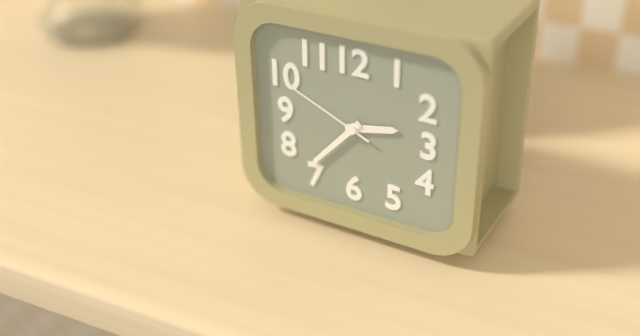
2:37:49
